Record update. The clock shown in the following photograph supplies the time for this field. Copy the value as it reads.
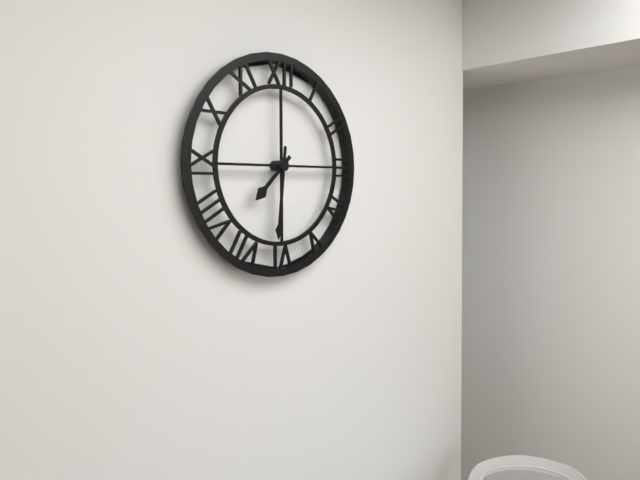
7:31
